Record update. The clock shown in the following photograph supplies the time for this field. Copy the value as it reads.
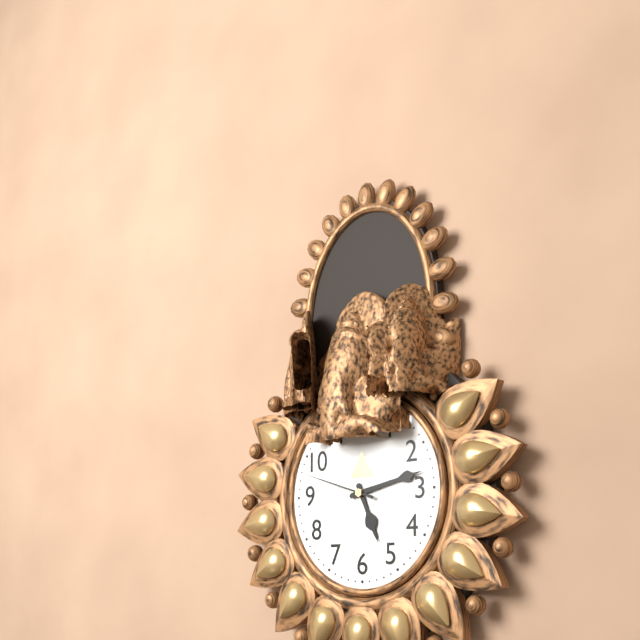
5:13:48
